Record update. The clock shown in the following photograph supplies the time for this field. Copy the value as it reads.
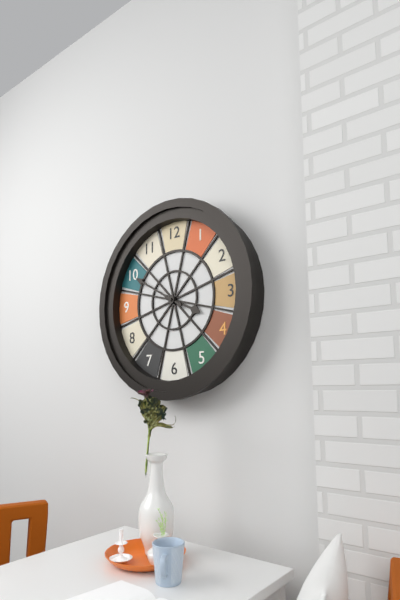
3:50
